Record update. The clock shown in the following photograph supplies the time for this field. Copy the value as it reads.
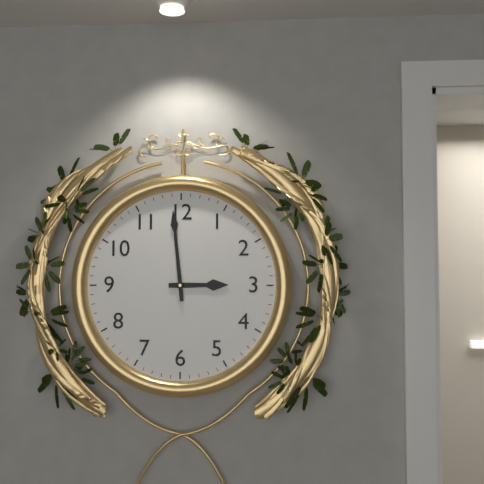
2:59
